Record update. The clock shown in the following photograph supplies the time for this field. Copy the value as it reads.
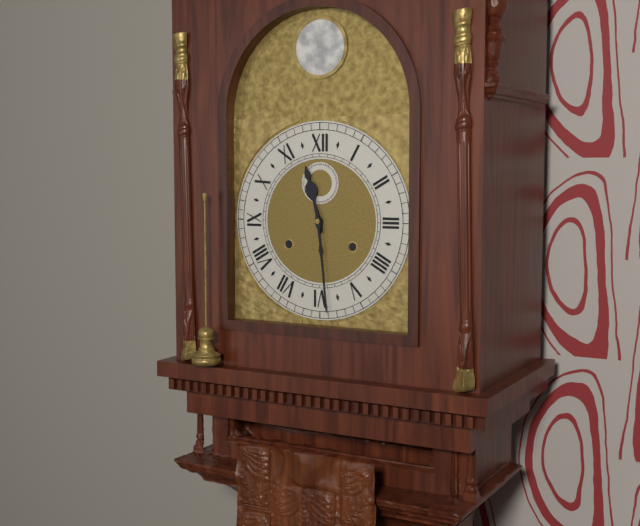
11:29
